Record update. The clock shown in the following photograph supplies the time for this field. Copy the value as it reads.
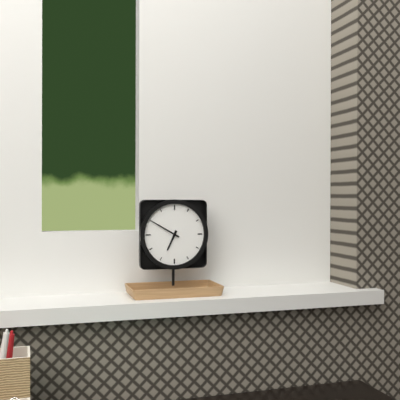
6:50
